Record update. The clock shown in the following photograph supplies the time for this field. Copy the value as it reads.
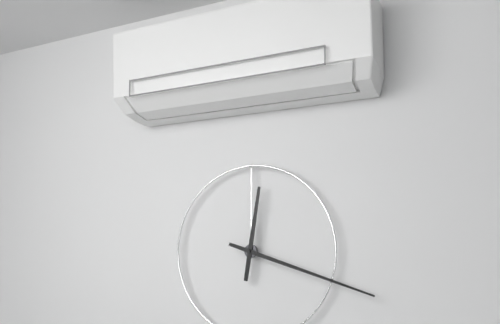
12:18
